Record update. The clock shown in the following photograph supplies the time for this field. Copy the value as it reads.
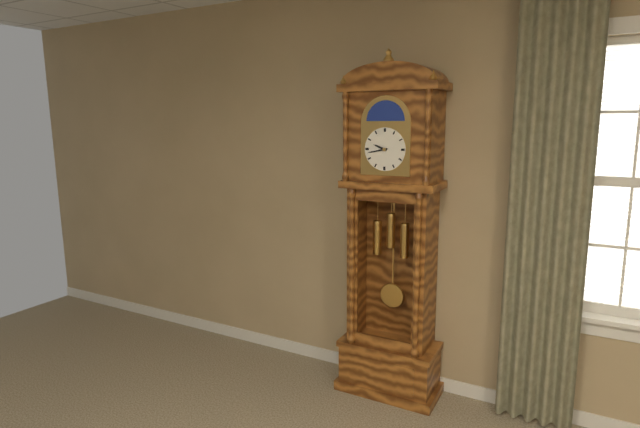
9:43
